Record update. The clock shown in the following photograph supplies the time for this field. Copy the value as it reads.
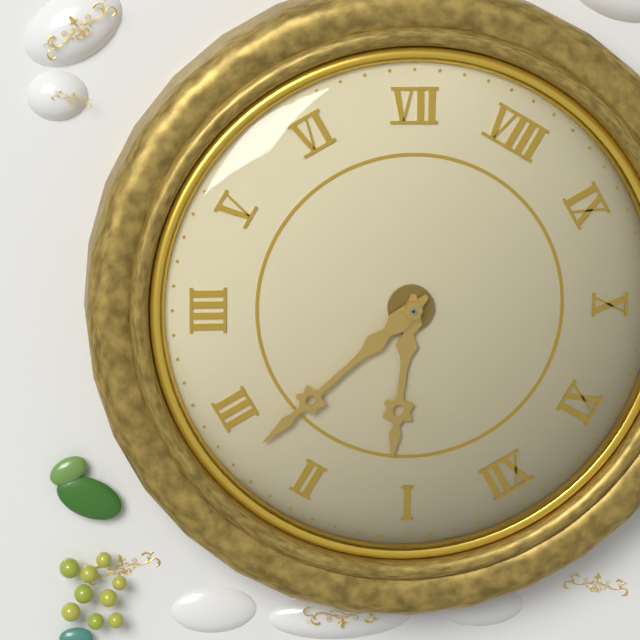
1:13
